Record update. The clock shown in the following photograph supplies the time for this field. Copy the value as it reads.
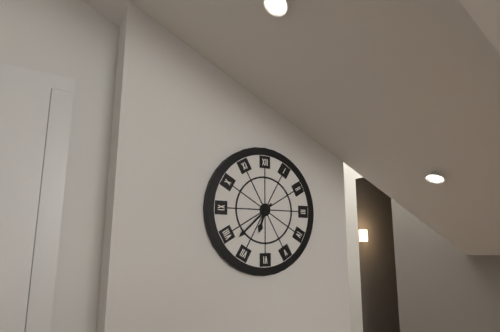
6:38
